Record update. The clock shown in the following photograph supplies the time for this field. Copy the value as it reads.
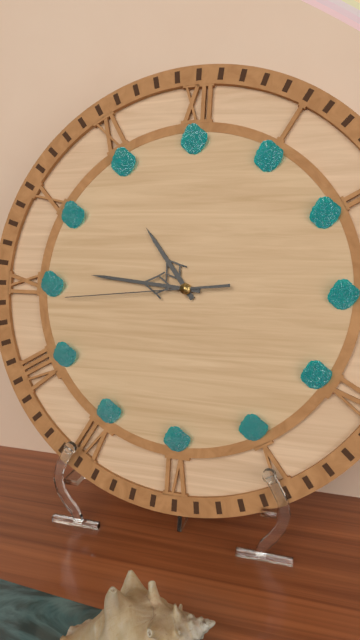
10:46:44
